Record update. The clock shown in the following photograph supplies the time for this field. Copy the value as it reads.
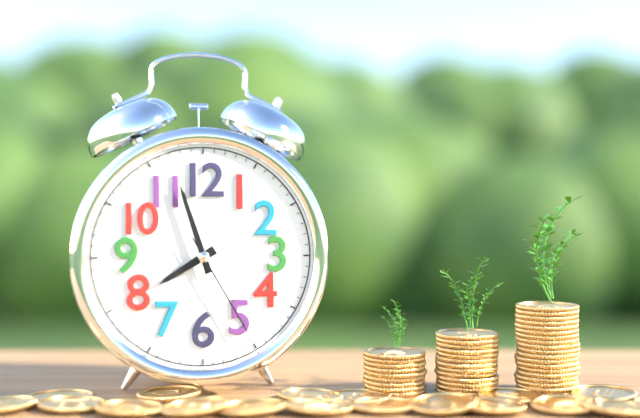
7:57:25
